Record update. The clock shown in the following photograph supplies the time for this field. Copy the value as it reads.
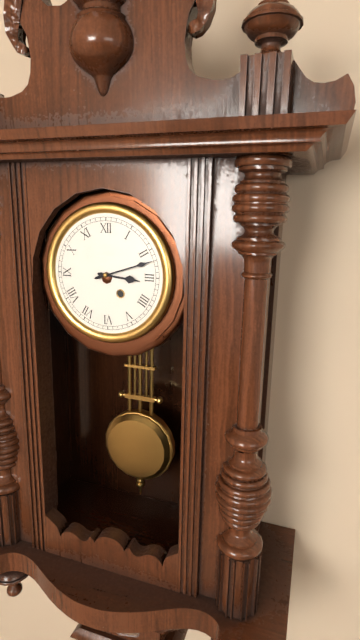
3:12
